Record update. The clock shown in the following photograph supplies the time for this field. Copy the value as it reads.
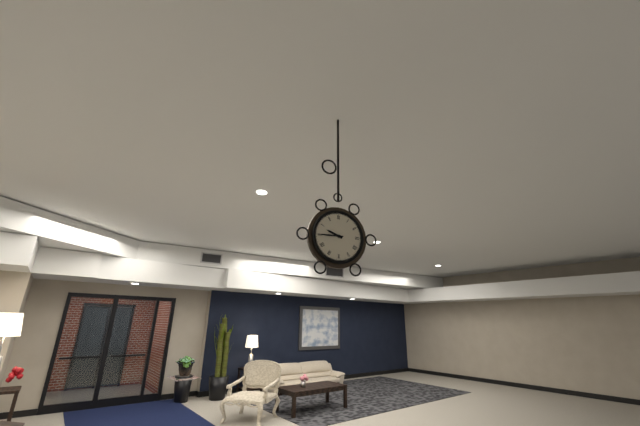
9:45
